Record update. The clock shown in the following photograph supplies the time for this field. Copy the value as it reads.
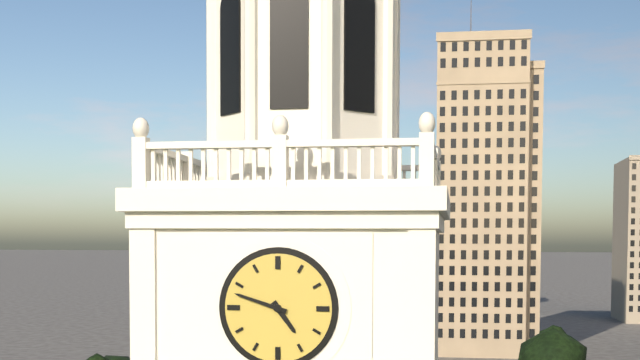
4:48
